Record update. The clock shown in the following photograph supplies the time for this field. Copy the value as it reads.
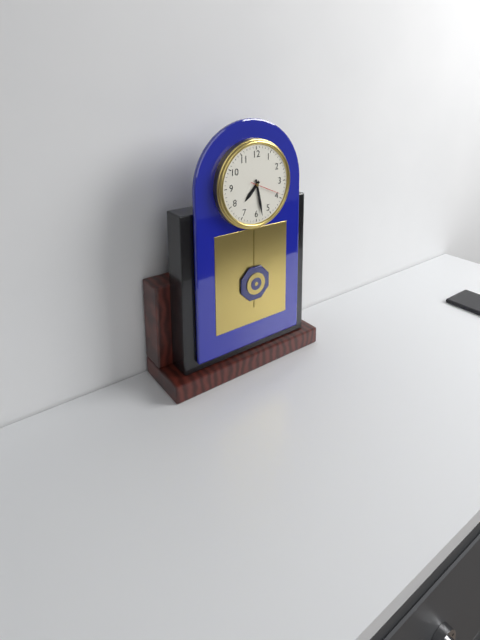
7:28
